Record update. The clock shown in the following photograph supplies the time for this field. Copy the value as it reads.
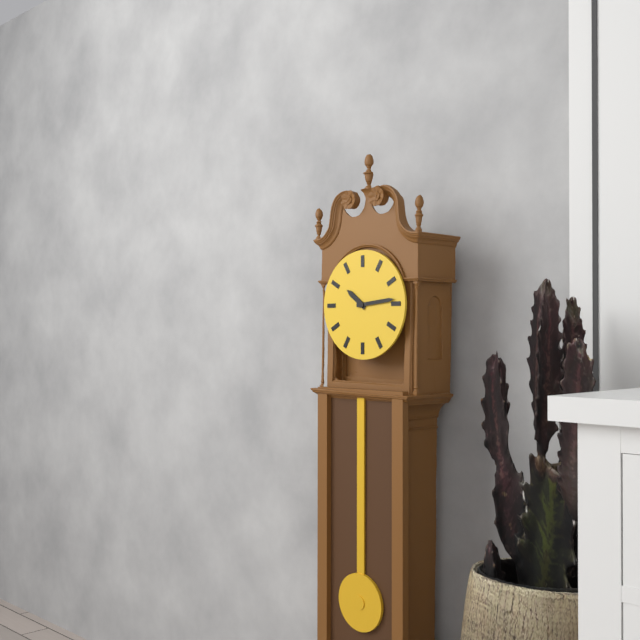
10:14
